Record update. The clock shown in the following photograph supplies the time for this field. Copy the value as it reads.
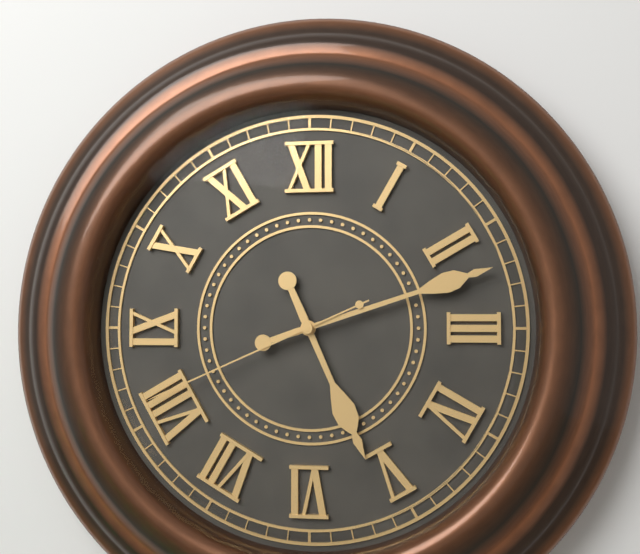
5:12:41
